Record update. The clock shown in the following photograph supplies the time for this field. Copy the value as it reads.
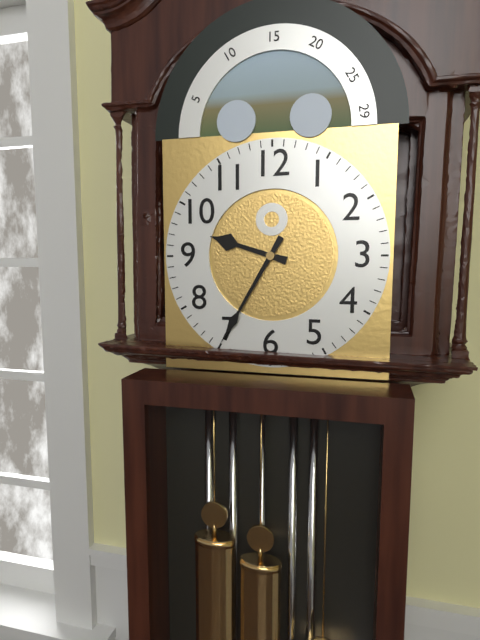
9:35
